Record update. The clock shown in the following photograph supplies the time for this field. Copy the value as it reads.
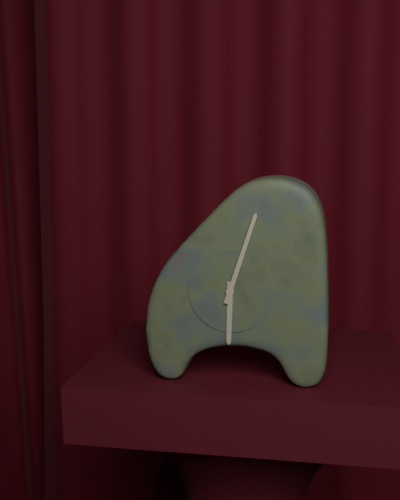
6:03
